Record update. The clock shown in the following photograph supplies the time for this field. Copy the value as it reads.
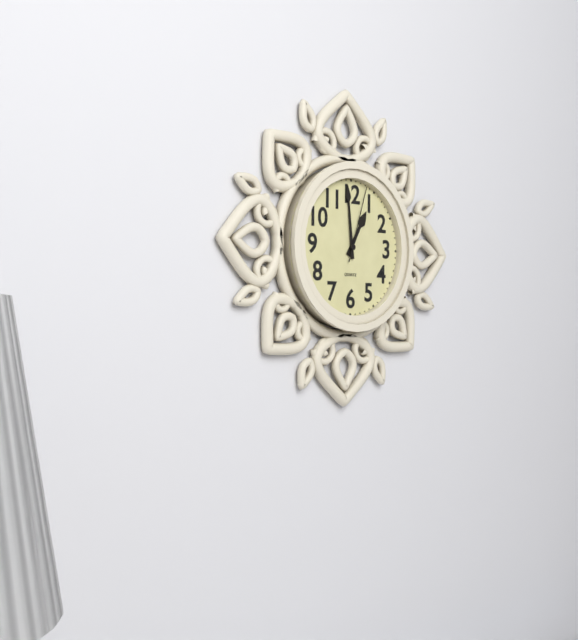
12:59:03
